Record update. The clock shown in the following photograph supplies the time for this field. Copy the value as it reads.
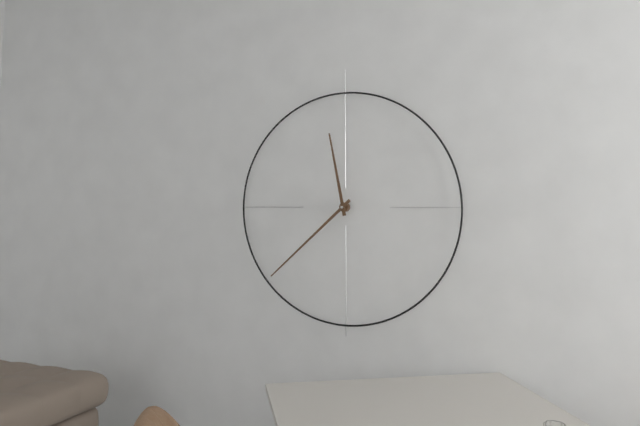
11:38
